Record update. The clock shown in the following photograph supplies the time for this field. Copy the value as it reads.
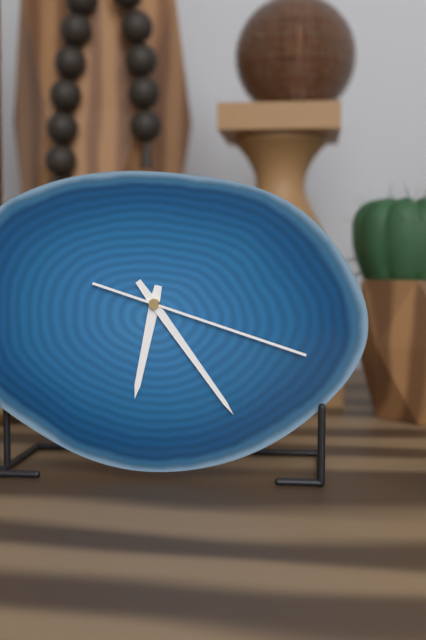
6:24:18
